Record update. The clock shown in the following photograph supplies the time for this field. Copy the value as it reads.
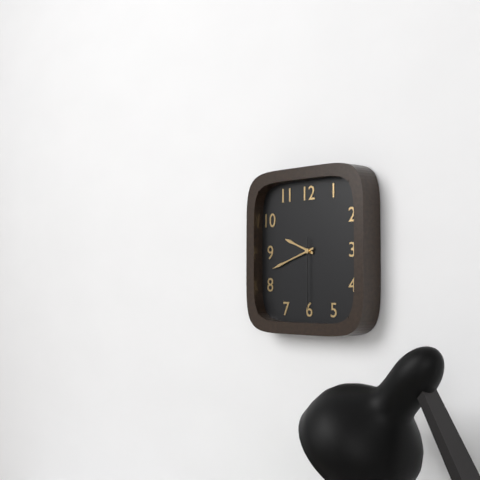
9:42:30
